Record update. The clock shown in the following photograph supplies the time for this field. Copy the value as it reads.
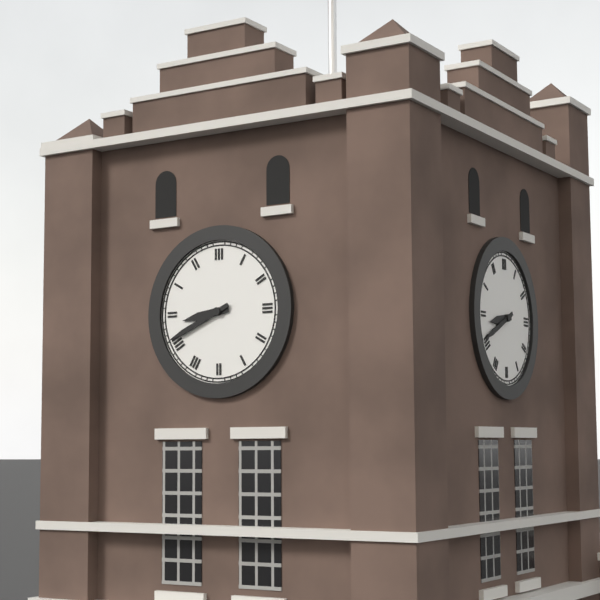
8:41
